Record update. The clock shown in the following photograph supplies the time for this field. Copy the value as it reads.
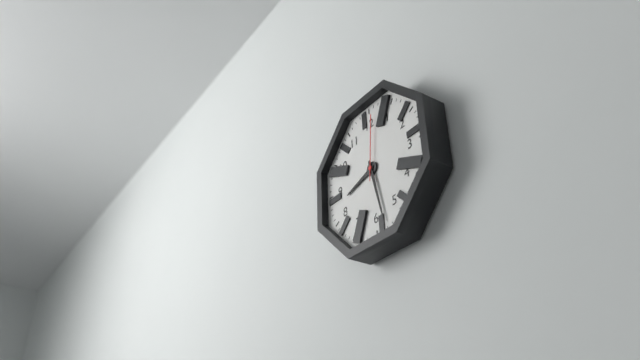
8:28:01
